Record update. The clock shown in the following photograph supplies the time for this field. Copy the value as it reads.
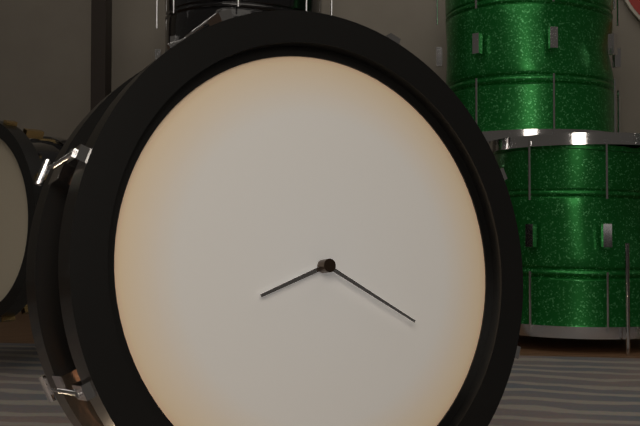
8:20
